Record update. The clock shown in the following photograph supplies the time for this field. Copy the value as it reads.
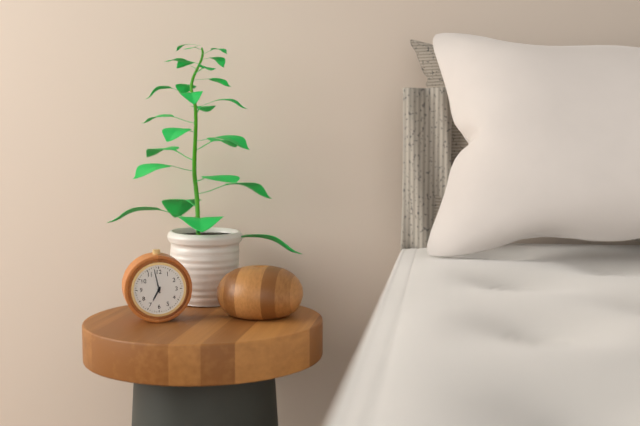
6:58
